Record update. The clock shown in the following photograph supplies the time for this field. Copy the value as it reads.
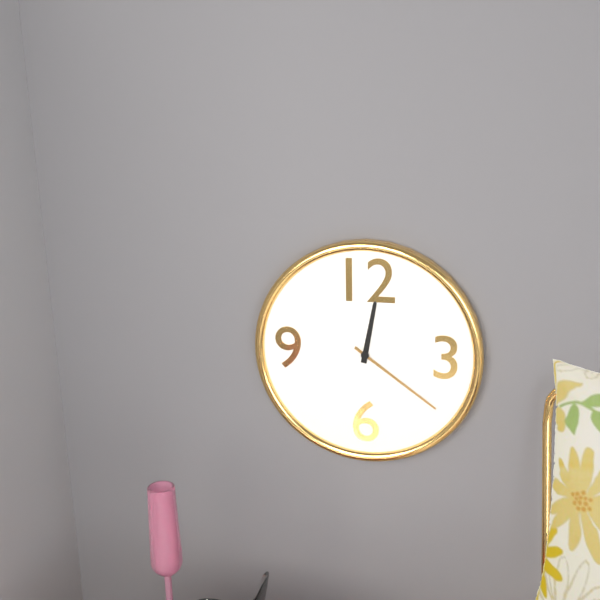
12:21
